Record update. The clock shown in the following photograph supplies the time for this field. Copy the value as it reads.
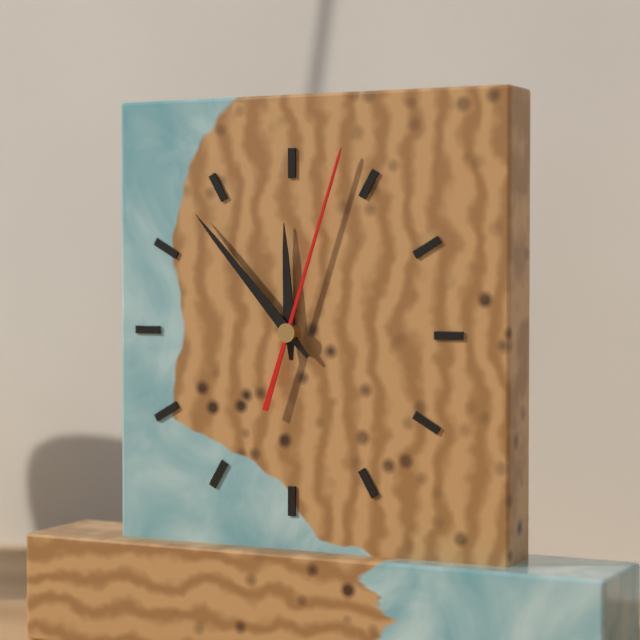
11:53:03
